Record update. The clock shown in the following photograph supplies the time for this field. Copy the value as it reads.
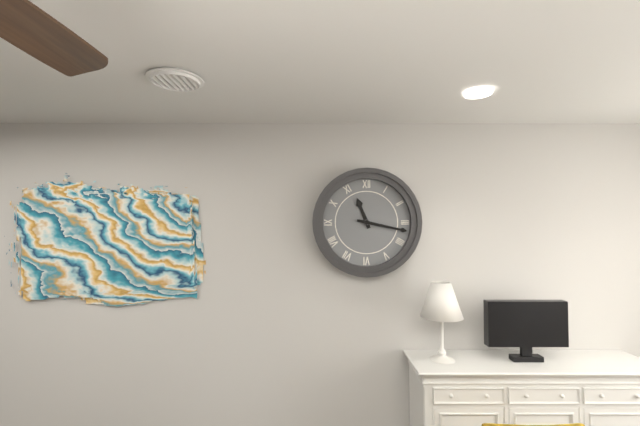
11:17
